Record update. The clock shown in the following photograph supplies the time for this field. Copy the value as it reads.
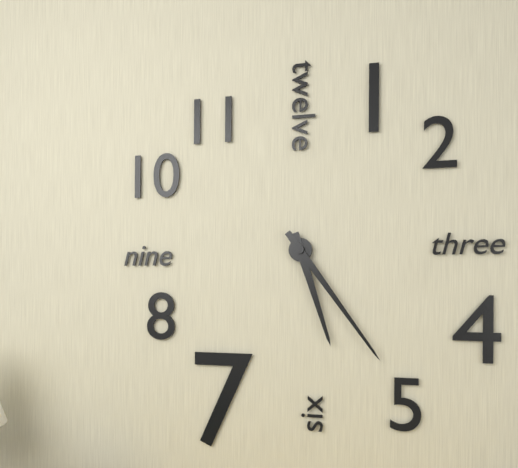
5:24
